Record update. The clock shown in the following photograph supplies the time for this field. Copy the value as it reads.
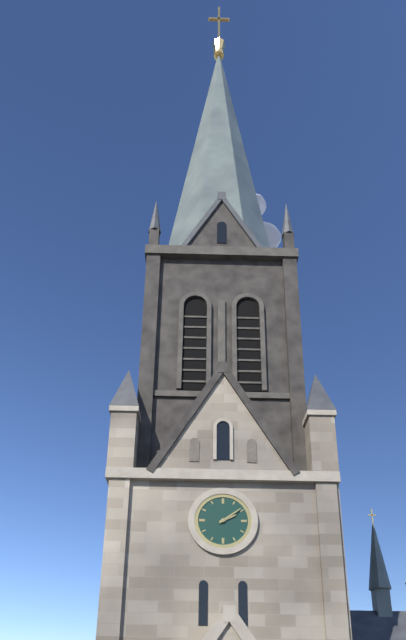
2:09
